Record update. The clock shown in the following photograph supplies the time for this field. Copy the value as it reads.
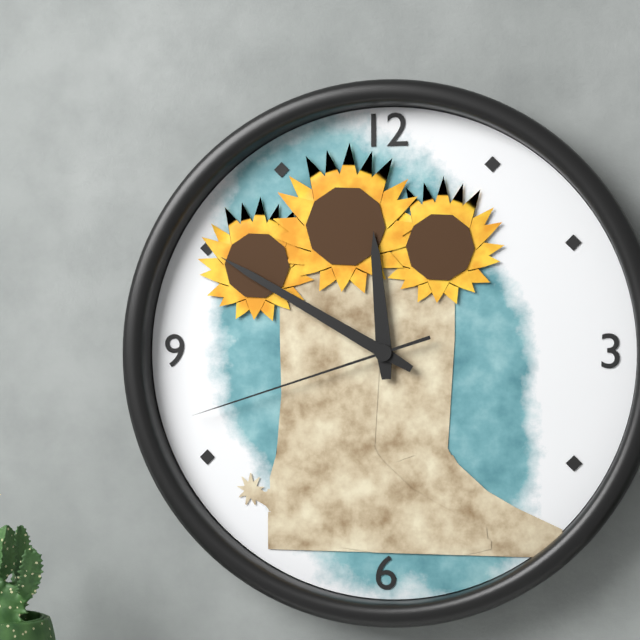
11:50:42
